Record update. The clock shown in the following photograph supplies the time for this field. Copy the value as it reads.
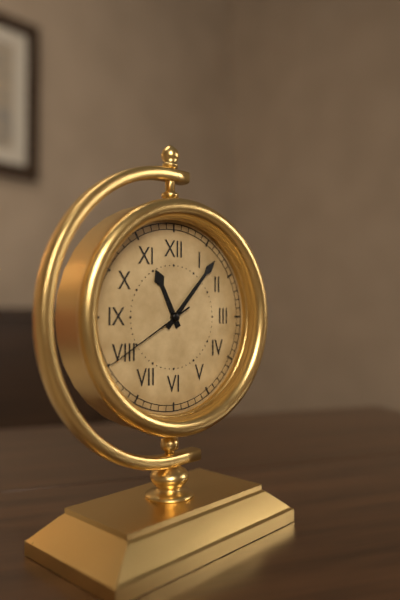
11:07:40
